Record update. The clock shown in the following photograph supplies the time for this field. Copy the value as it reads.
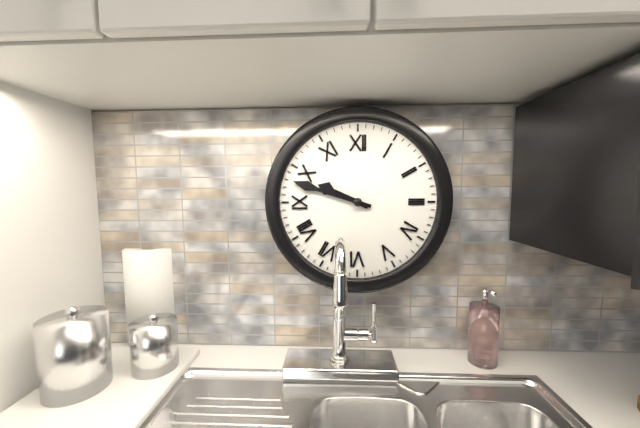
9:48
